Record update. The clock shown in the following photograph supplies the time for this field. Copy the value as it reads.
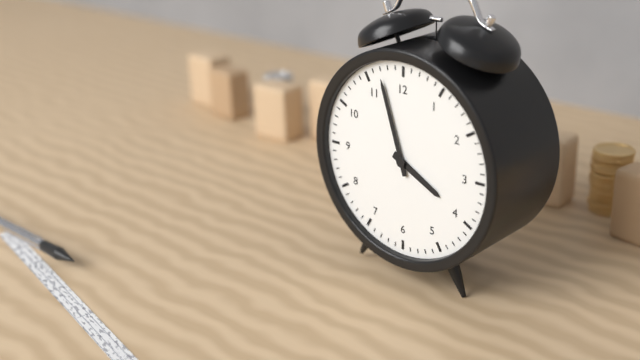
3:57
